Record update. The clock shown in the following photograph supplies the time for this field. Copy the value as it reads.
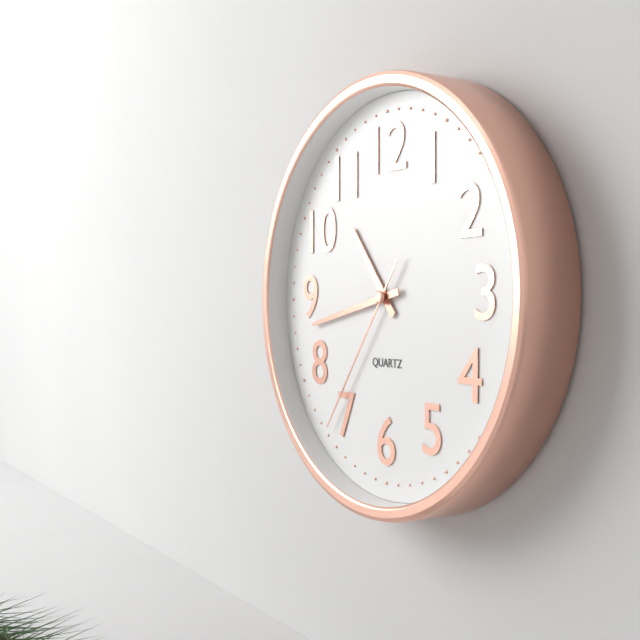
10:43:36
